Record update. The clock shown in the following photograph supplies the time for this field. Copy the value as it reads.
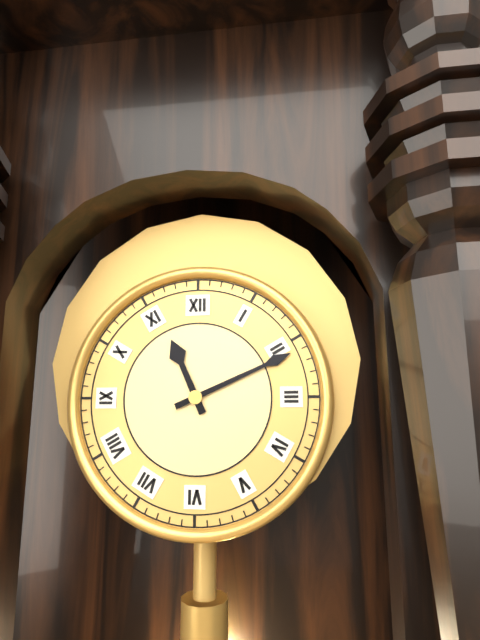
11:11
